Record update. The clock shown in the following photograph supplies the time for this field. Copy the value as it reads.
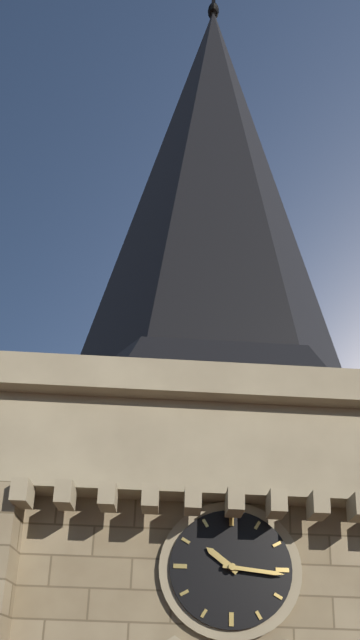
10:16
